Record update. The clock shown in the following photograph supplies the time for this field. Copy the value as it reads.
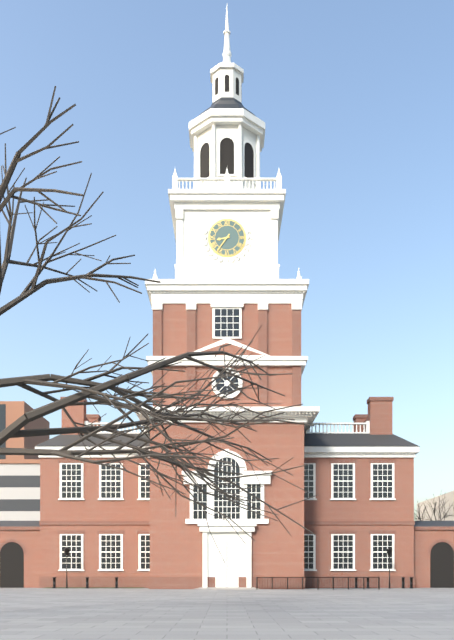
8:36
